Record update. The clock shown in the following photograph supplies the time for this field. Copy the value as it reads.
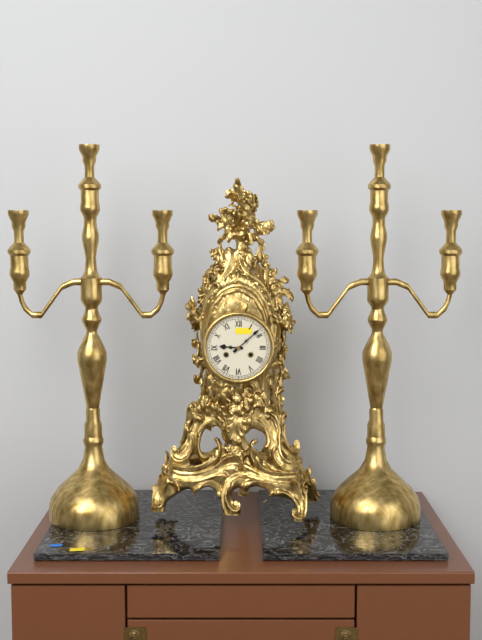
9:08
